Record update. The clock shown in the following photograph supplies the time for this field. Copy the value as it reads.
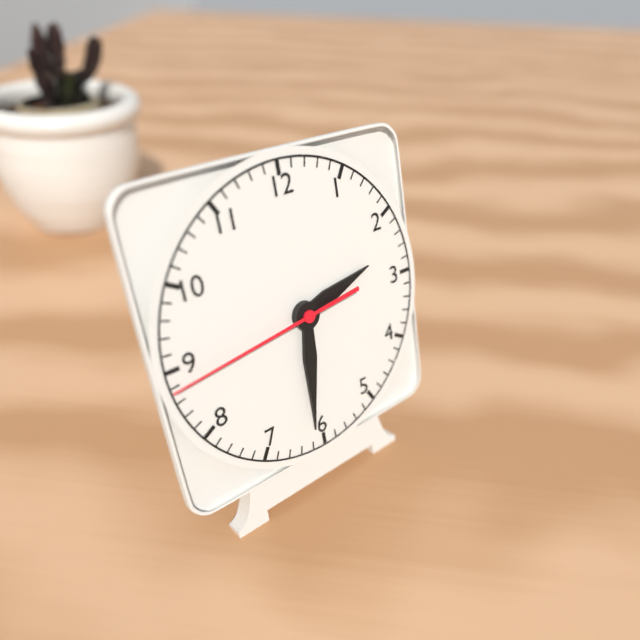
2:31:44
